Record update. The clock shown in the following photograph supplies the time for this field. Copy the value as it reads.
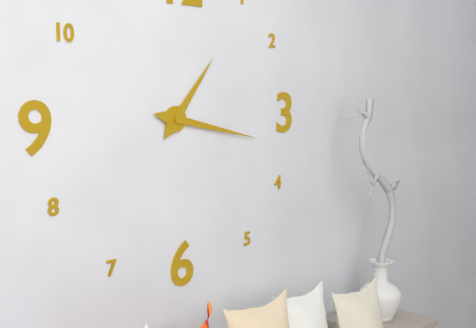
1:17
